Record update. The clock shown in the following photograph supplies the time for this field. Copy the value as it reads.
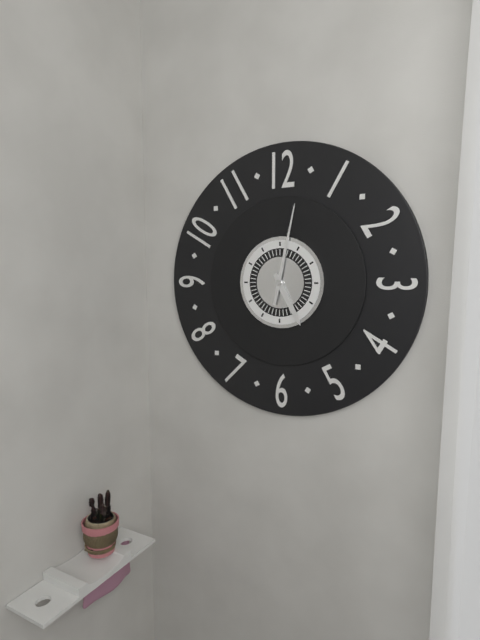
5:02
